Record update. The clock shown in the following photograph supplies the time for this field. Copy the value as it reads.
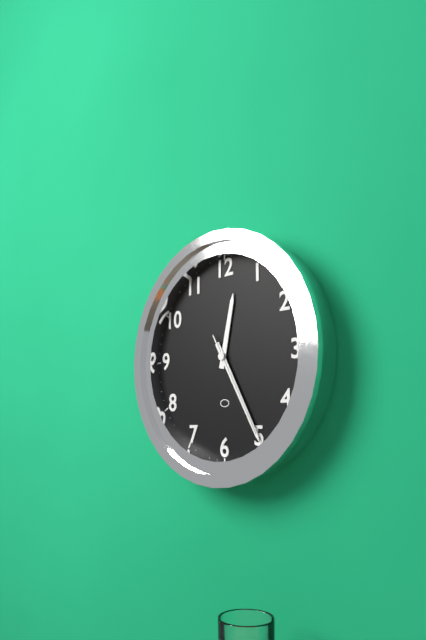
12:25:25
